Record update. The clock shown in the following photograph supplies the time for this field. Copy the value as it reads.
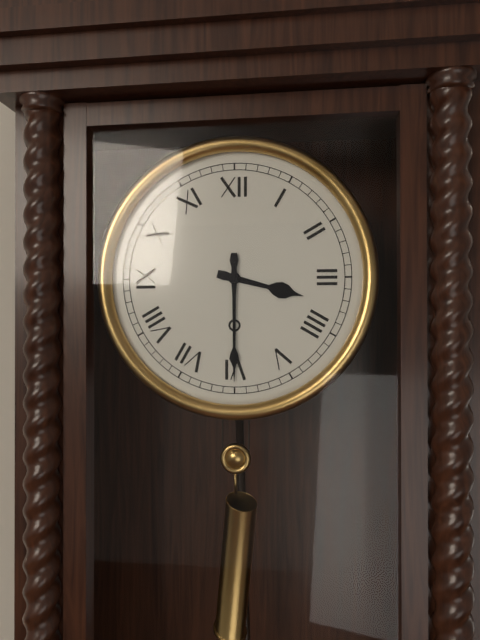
3:30
